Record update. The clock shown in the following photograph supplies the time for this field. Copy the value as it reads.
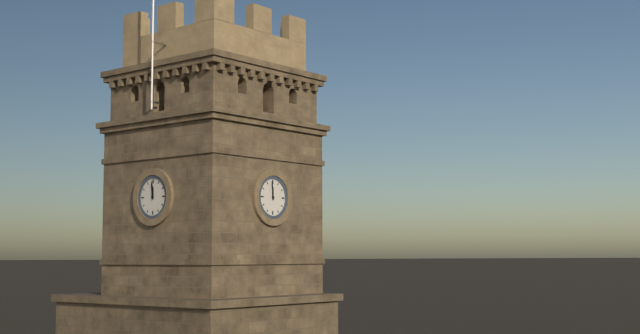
11:59
